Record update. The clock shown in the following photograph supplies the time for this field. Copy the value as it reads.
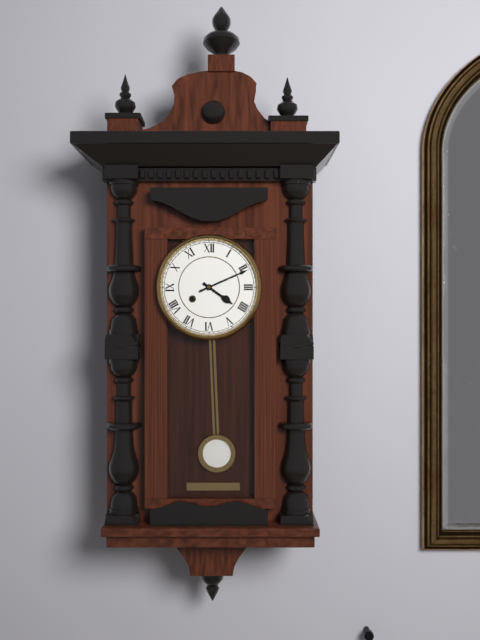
4:11
